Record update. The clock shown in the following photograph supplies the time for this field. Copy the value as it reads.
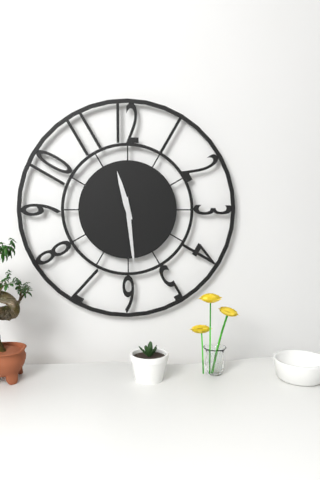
11:29
